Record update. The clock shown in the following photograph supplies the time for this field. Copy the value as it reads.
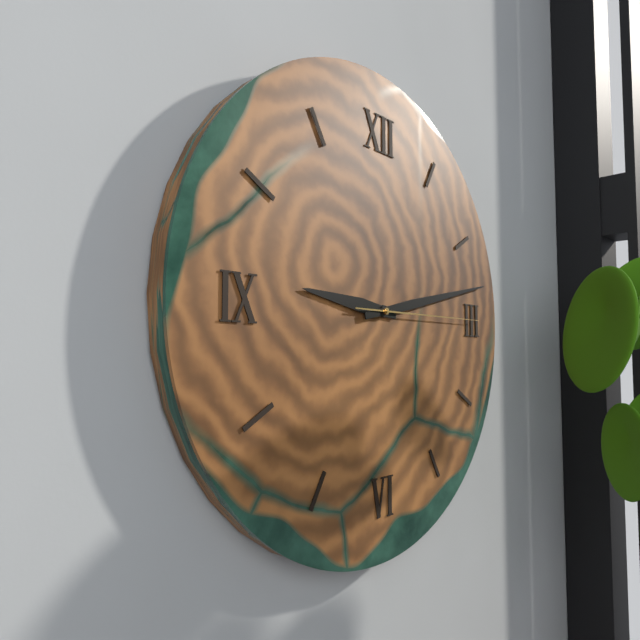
9:13:15
